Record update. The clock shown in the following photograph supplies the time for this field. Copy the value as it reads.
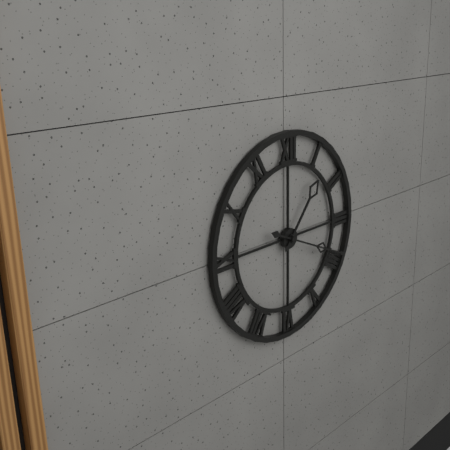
1:19
